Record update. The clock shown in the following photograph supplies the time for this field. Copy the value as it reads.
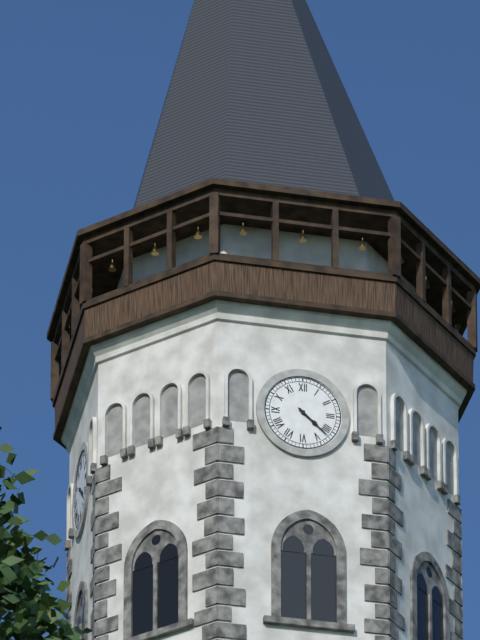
4:22
